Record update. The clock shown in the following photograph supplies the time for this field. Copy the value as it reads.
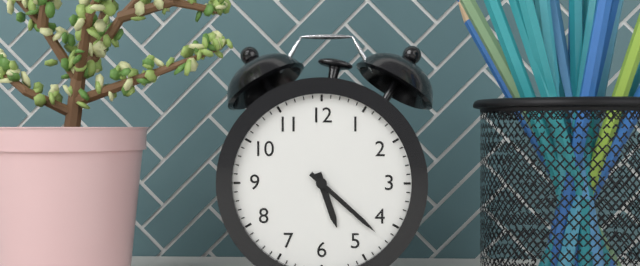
5:22
